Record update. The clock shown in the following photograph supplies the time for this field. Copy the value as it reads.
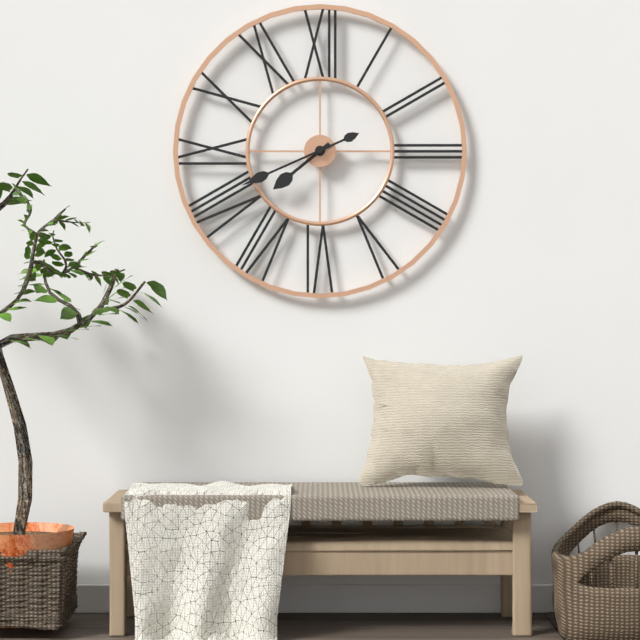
7:41
